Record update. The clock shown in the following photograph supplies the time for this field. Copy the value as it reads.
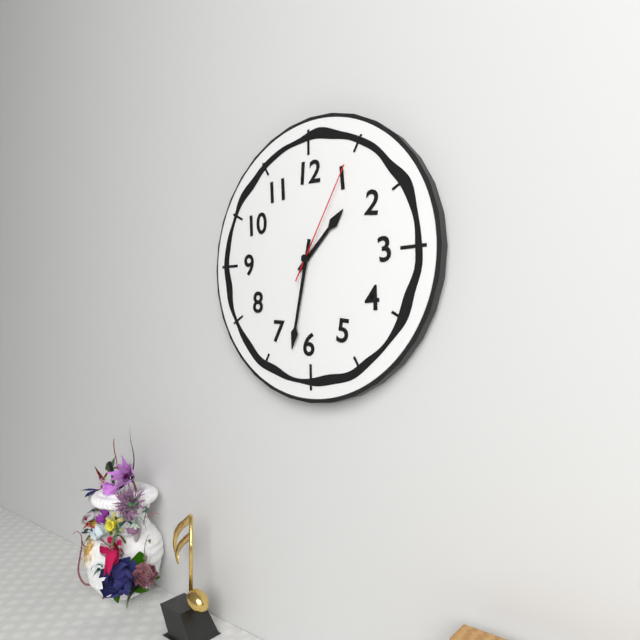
1:32:05
